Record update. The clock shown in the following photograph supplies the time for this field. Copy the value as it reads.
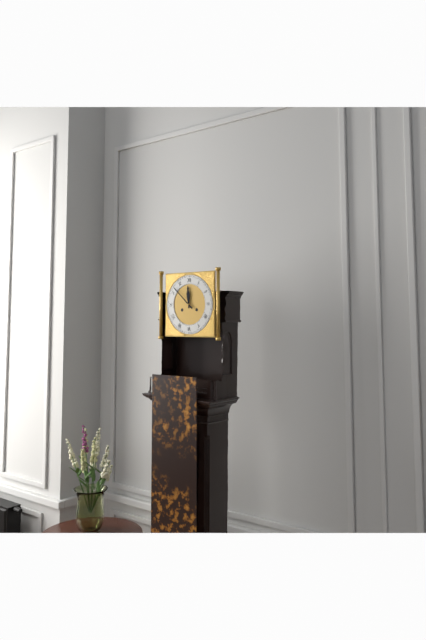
11:52
